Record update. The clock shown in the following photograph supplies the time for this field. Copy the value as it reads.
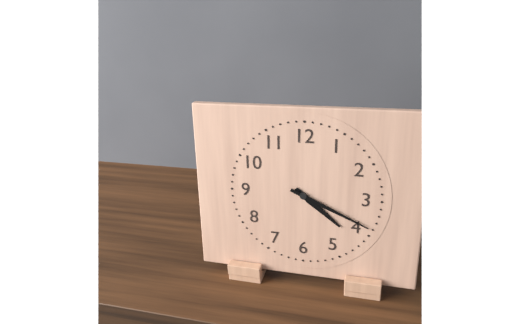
4:19
